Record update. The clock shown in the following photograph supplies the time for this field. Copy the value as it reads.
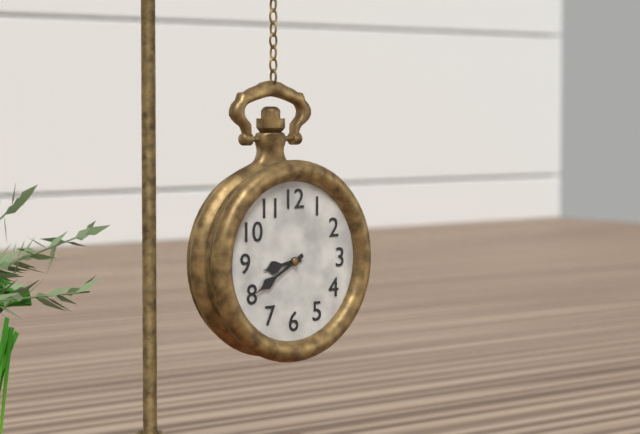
8:40
